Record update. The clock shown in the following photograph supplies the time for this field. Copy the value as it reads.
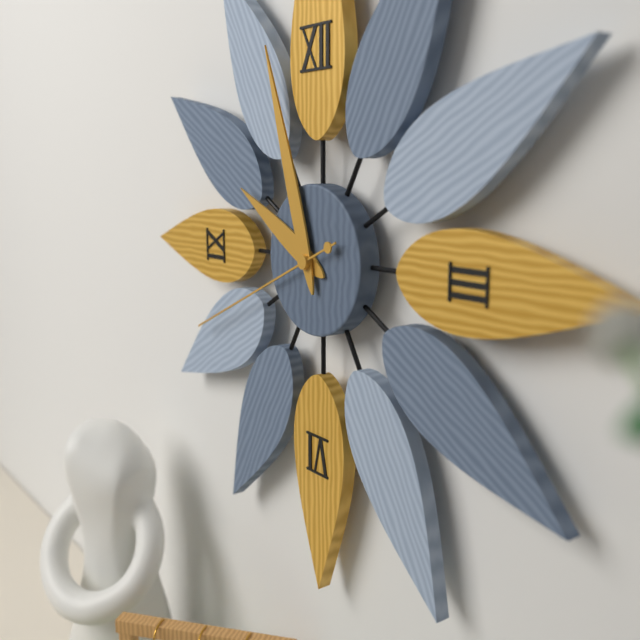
9:57:41
